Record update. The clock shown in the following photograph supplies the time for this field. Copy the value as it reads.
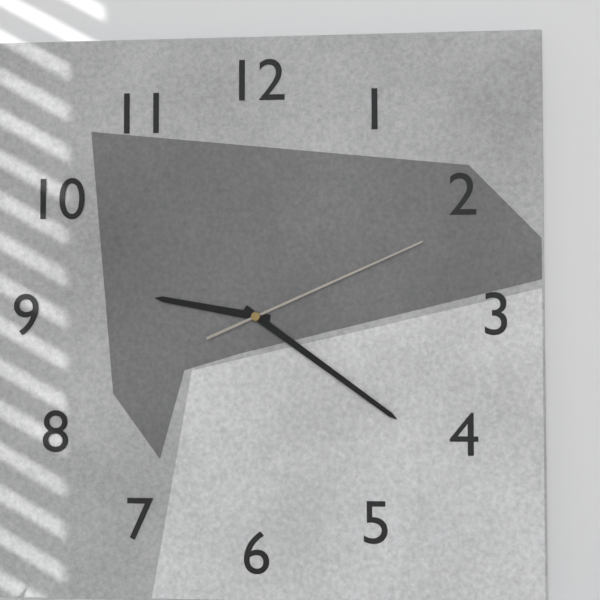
9:21:11
